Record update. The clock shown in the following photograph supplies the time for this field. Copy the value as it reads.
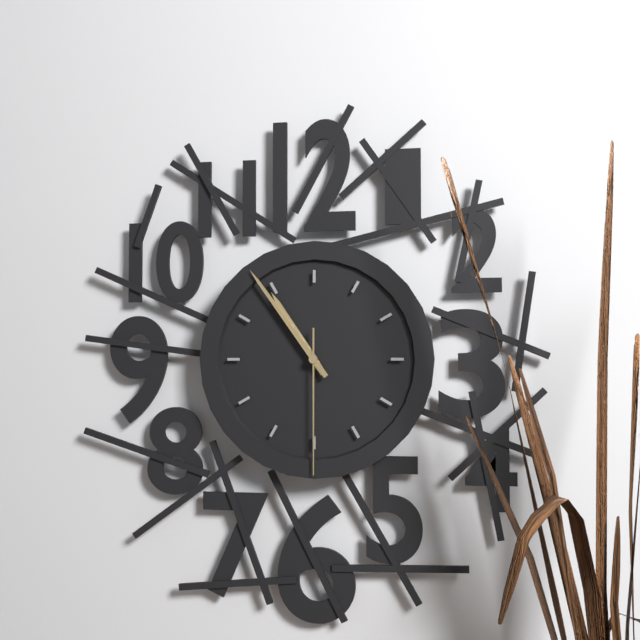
10:54:30
